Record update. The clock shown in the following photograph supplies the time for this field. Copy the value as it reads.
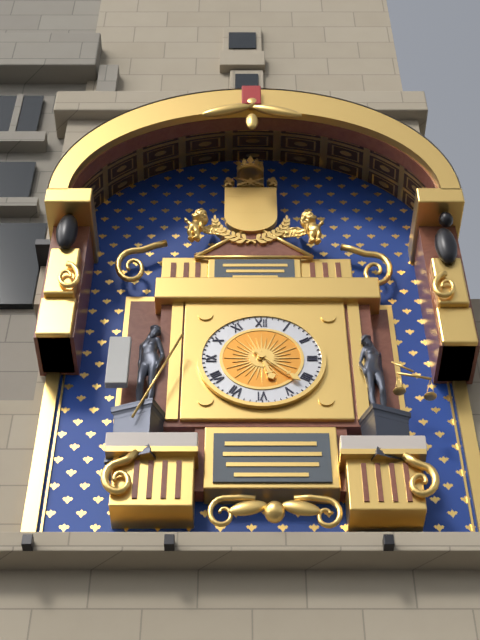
5:22
